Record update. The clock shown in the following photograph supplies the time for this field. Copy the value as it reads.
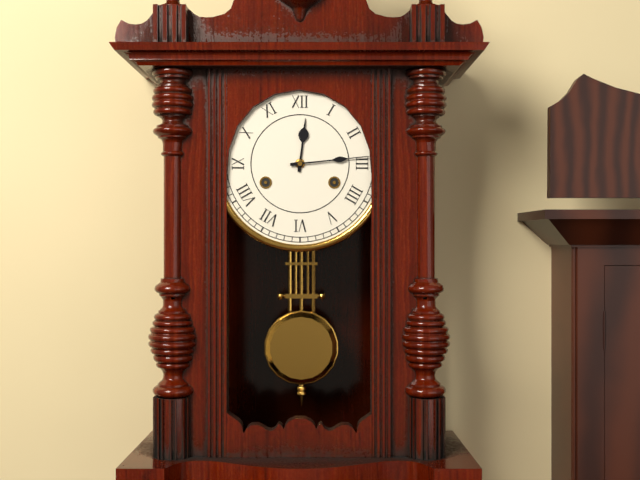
12:14
